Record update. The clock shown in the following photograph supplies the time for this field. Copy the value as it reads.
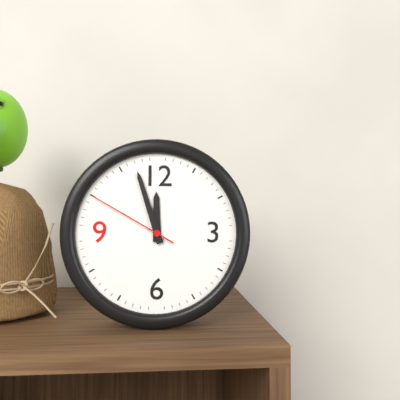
11:57:50
